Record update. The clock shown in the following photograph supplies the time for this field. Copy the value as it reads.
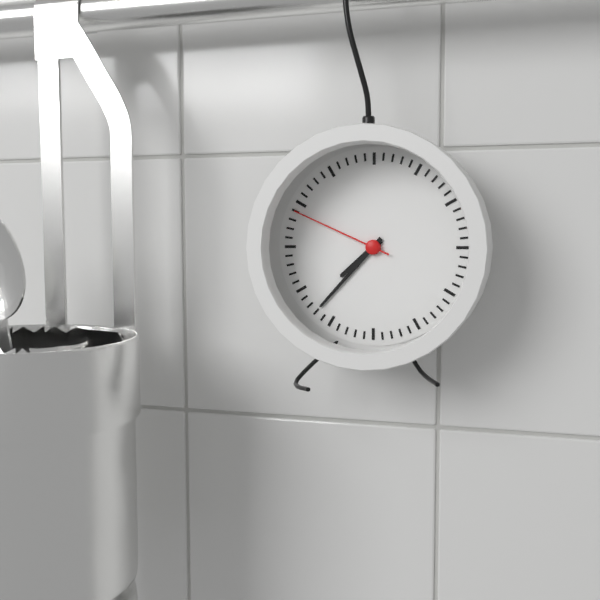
7:37:49
